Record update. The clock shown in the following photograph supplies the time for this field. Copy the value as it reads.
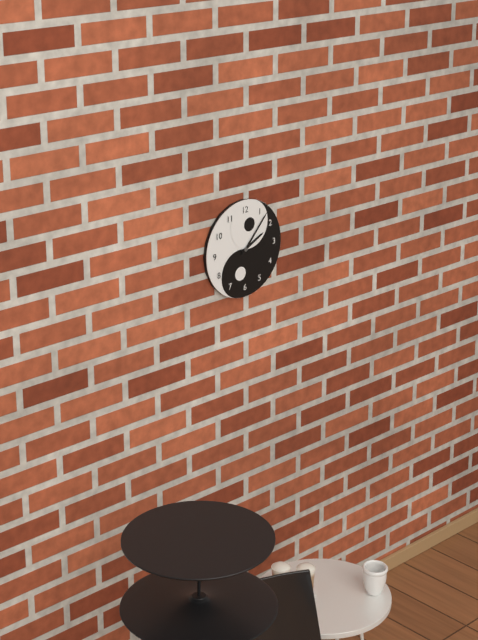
2:07
